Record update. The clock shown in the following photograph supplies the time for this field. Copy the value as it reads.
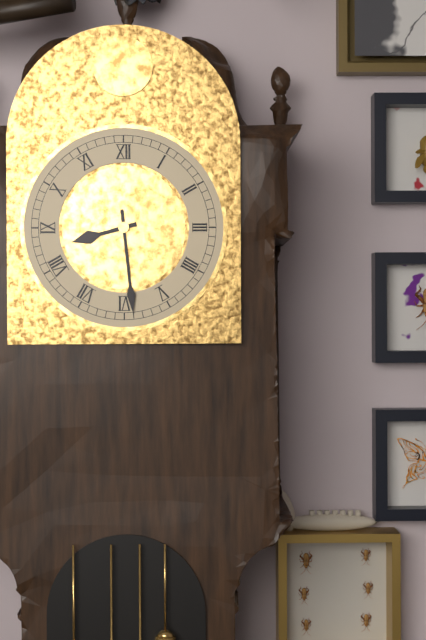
8:29
